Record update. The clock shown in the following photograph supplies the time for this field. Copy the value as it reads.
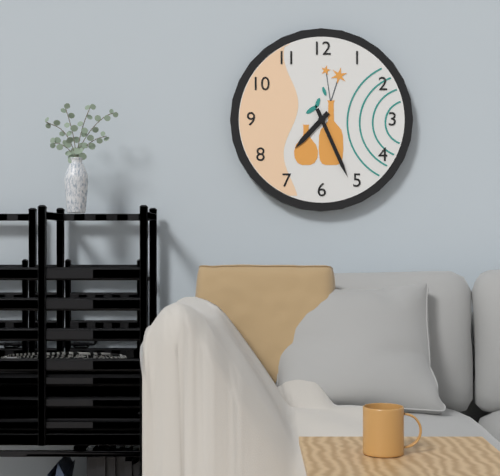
7:26
